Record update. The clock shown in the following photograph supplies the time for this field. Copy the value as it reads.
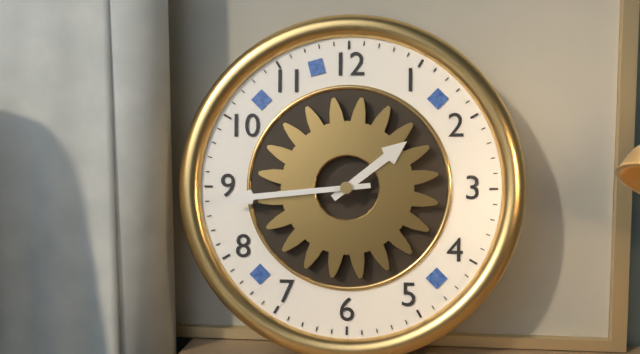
1:44
